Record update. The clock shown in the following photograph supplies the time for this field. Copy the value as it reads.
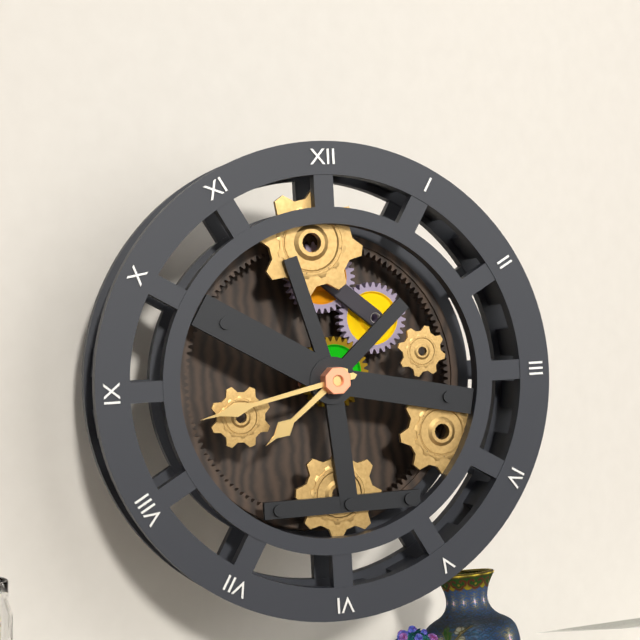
7:43
